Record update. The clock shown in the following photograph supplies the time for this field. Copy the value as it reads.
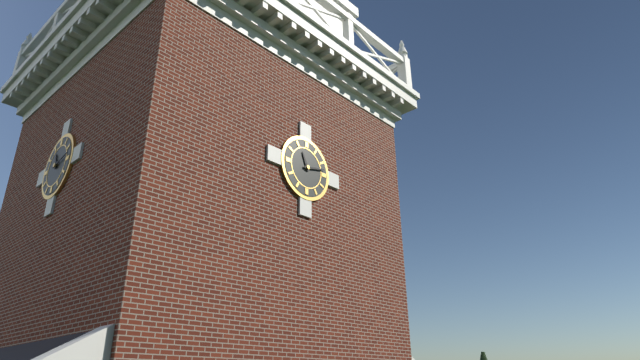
11:13
